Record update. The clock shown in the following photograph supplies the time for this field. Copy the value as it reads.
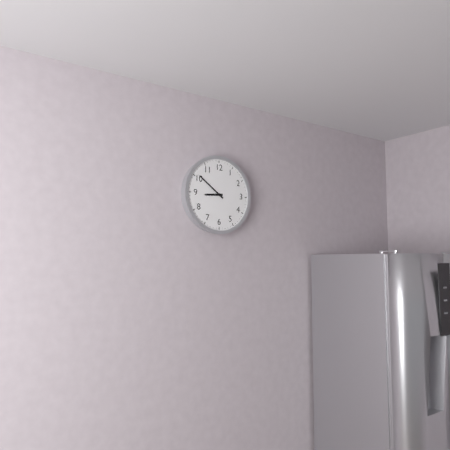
8:51
